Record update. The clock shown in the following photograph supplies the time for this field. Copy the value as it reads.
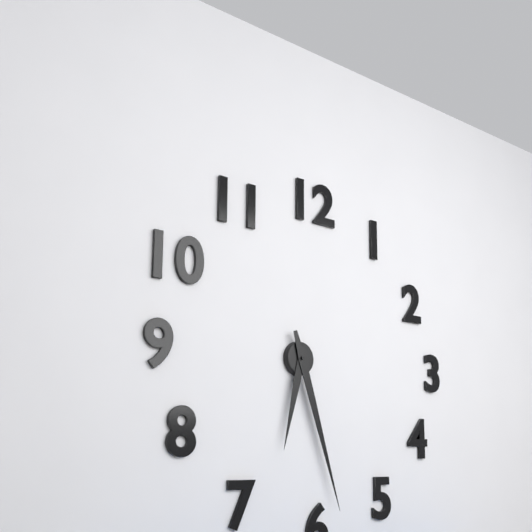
6:27
